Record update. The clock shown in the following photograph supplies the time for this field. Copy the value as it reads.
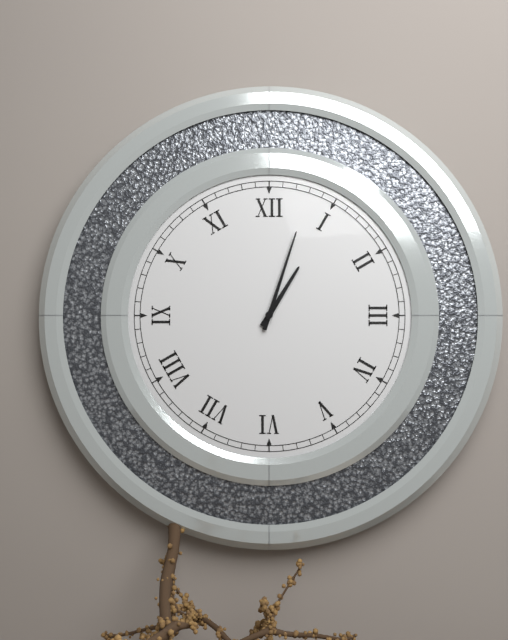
1:03
